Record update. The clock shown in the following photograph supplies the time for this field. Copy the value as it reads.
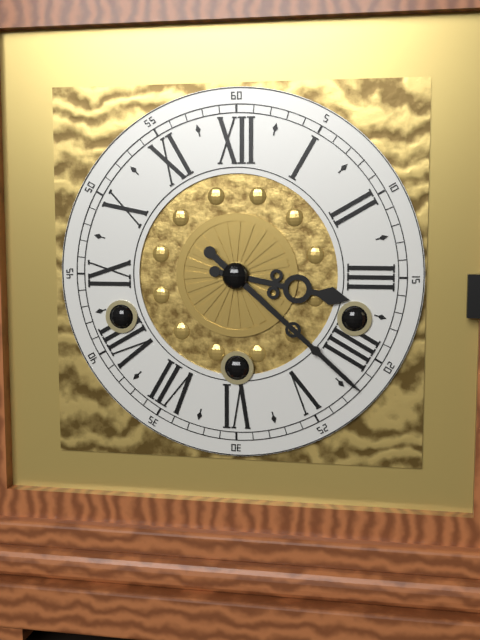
3:22
